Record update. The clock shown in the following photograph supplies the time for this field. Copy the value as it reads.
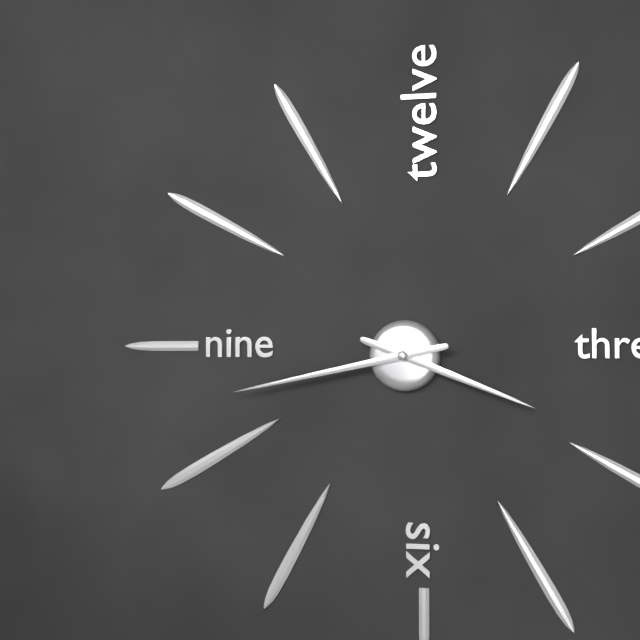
3:43
